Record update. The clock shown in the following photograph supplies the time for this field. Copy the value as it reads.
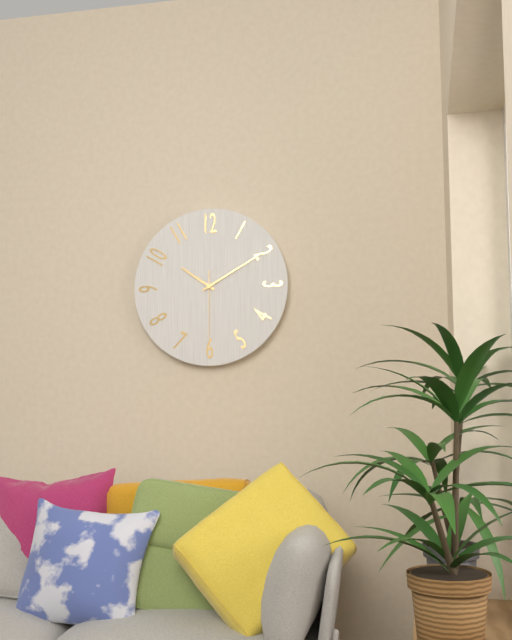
10:10:30
